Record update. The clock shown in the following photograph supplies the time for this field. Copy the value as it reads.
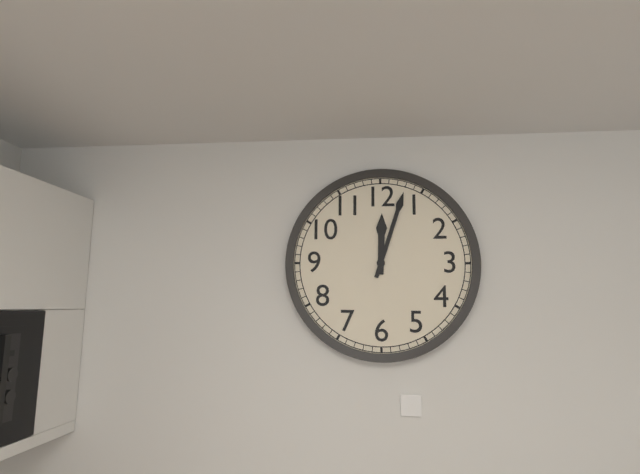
12:03
